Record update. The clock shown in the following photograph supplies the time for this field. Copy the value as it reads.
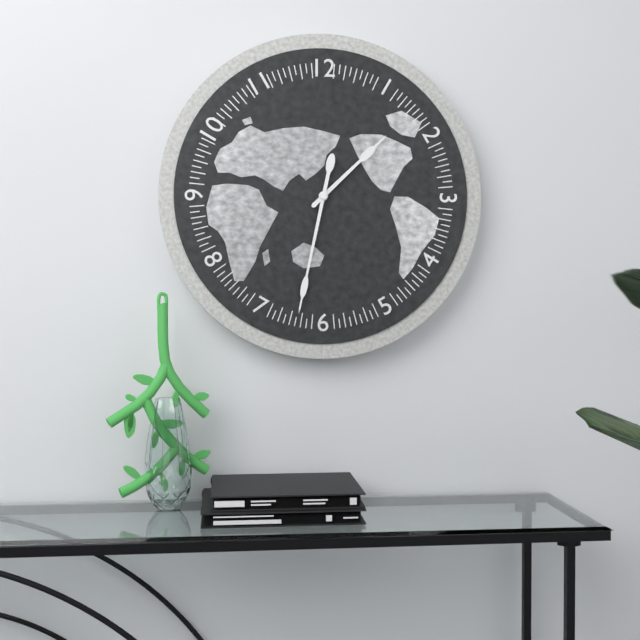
1:32
